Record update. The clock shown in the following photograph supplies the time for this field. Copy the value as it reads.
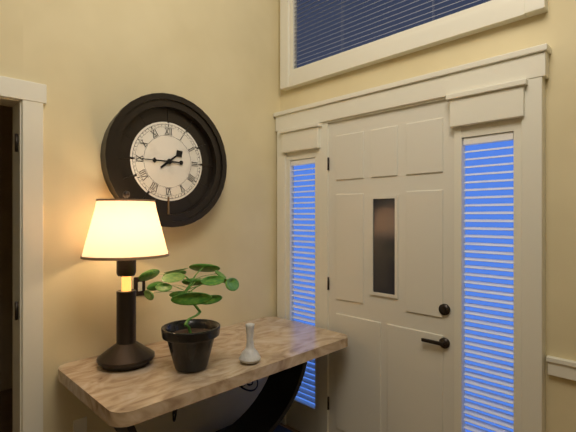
1:45
